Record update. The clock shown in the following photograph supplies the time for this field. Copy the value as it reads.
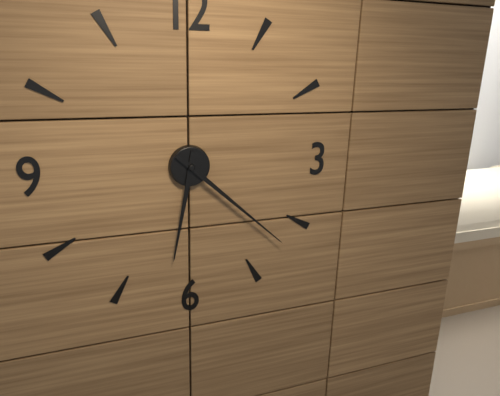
6:22
